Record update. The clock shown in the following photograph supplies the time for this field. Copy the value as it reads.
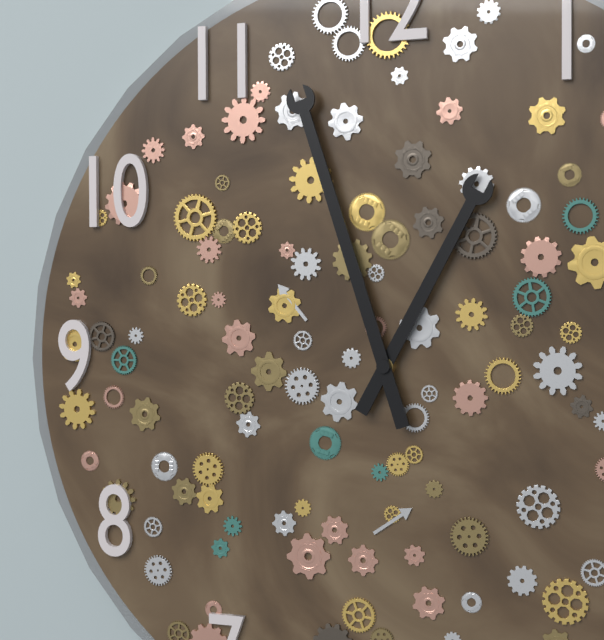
12:57
